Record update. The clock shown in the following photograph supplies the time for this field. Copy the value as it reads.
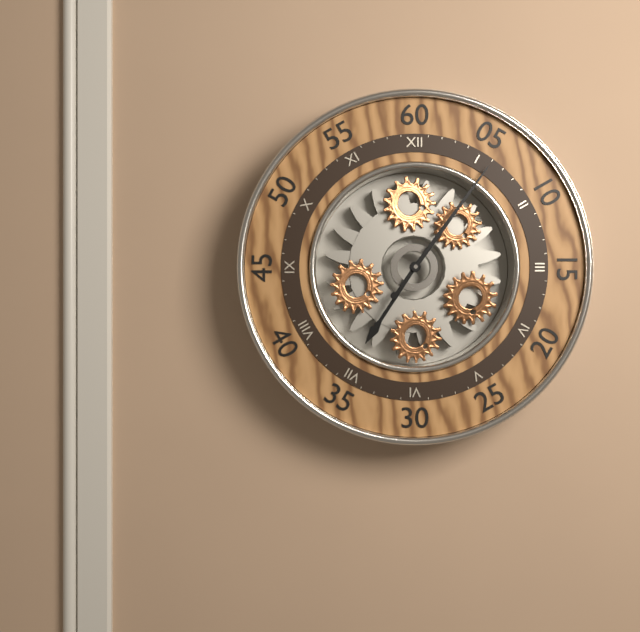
7:06
